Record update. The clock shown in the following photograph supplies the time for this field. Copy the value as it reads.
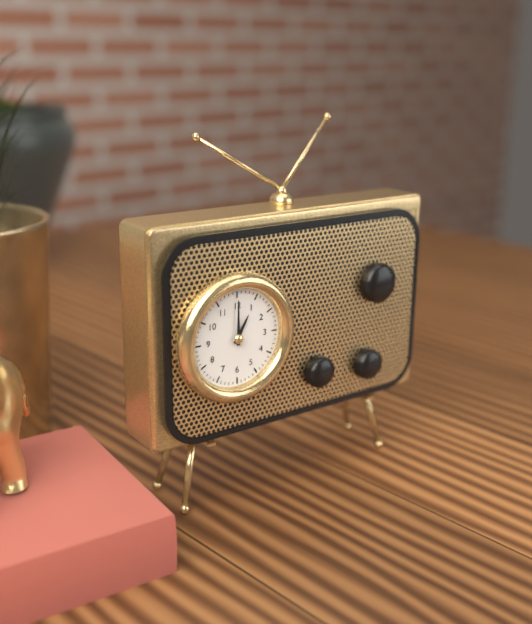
1:00
